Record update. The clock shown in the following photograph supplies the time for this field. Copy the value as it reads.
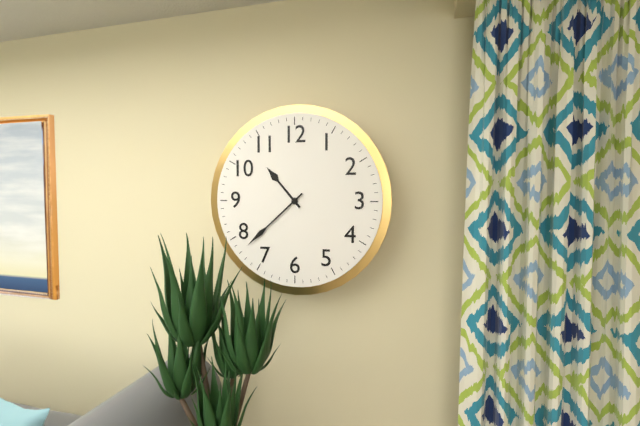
10:38
